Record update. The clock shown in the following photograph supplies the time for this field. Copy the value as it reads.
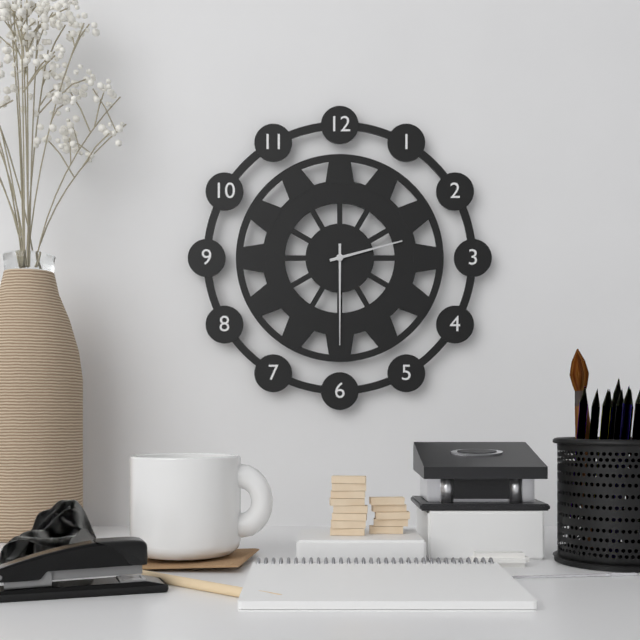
2:30
